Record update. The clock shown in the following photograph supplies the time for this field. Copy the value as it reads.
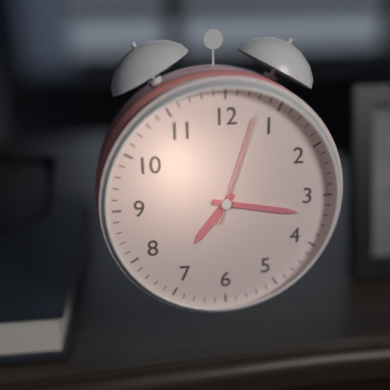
7:17:03
